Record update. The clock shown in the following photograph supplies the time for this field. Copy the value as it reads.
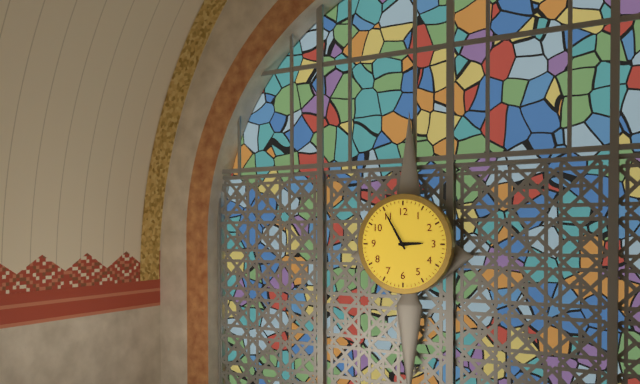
2:55
